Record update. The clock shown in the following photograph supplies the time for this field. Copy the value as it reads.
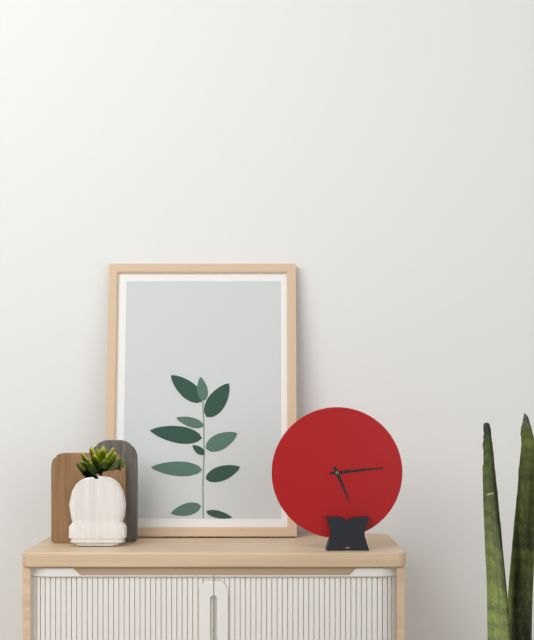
5:14
